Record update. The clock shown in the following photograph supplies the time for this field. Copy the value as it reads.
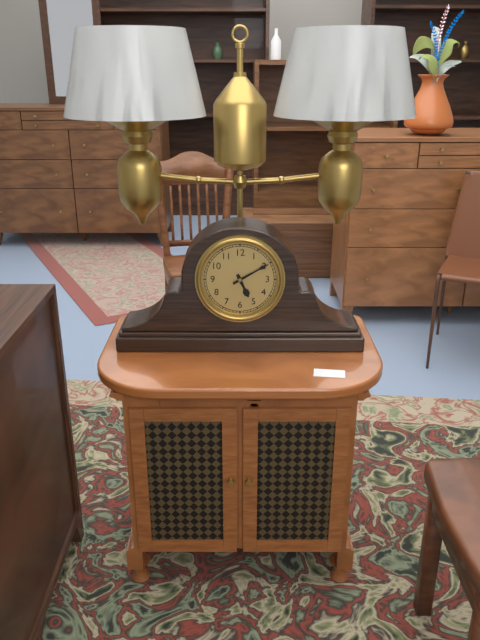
5:10
